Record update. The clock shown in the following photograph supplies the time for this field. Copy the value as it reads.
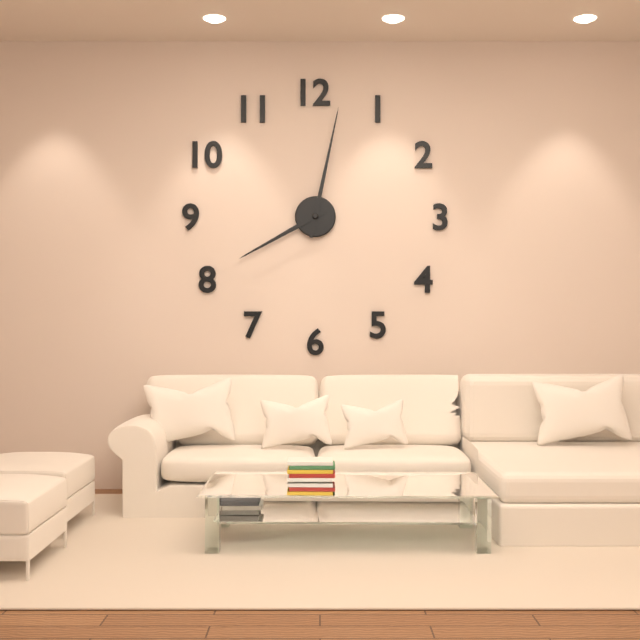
8:02
